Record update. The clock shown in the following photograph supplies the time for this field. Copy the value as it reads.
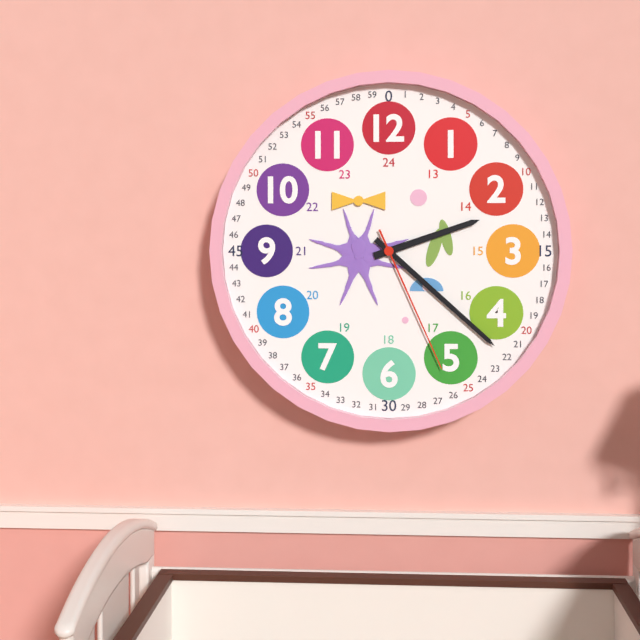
2:22:26
